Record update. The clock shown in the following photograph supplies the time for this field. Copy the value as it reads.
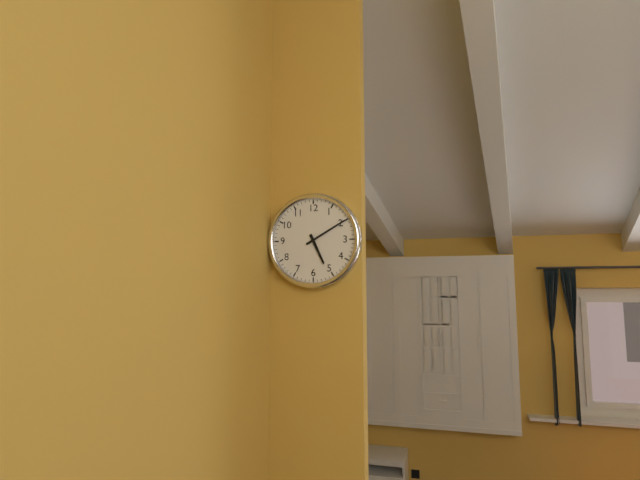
5:10
